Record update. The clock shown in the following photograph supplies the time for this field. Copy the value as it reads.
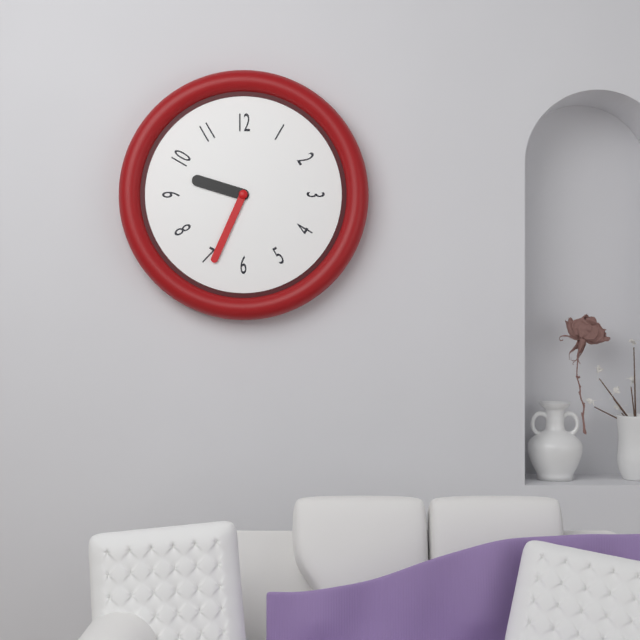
9:34
